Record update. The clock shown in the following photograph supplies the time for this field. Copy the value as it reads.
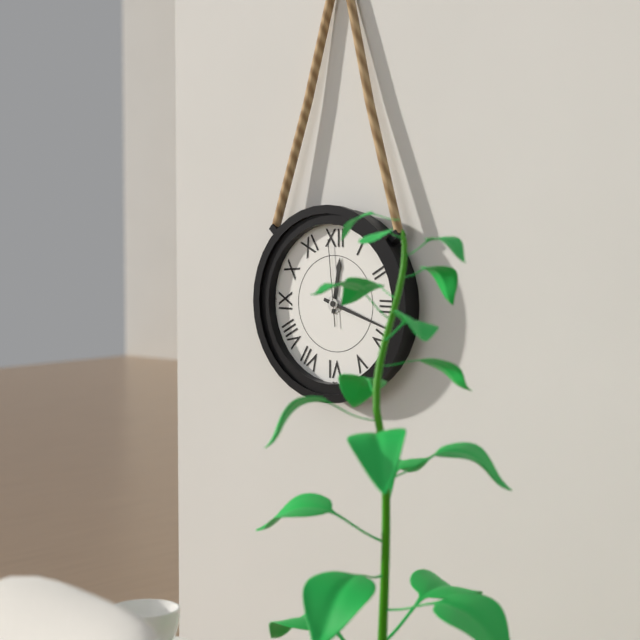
12:18:59
